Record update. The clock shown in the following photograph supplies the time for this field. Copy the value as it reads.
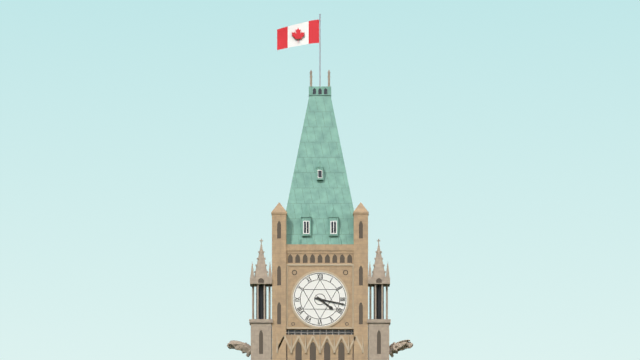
4:17
